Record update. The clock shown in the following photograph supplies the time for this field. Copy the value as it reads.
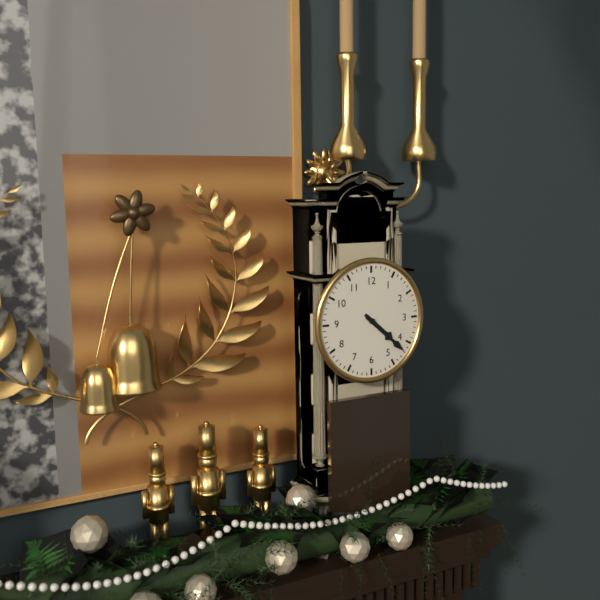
4:22
